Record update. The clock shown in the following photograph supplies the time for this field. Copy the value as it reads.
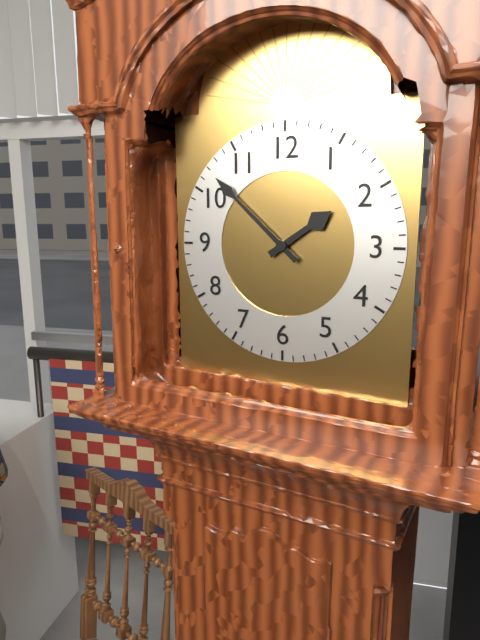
1:52
